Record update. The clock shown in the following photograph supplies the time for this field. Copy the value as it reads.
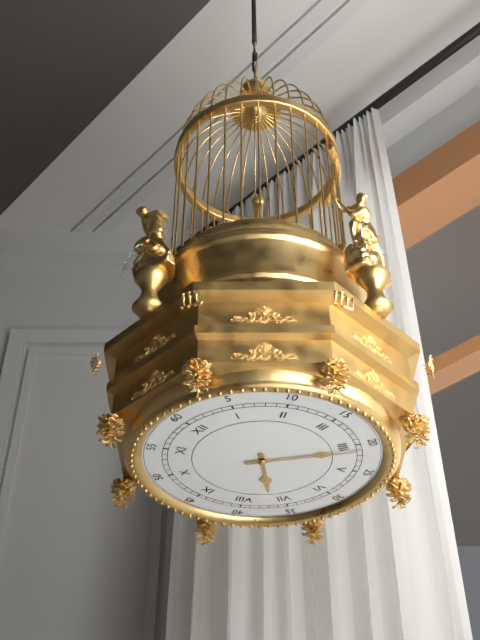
7:21
